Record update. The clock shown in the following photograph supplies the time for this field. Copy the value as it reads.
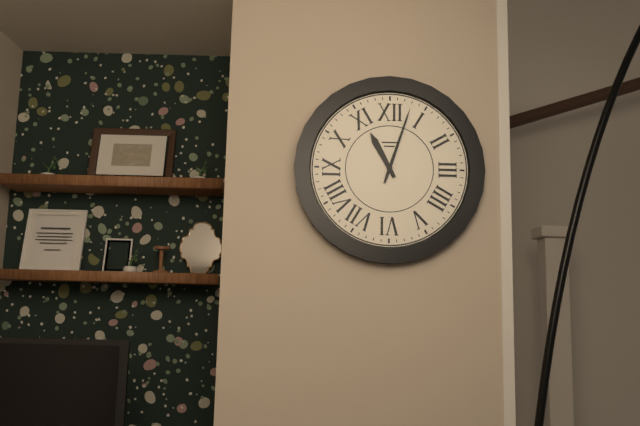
11:03
